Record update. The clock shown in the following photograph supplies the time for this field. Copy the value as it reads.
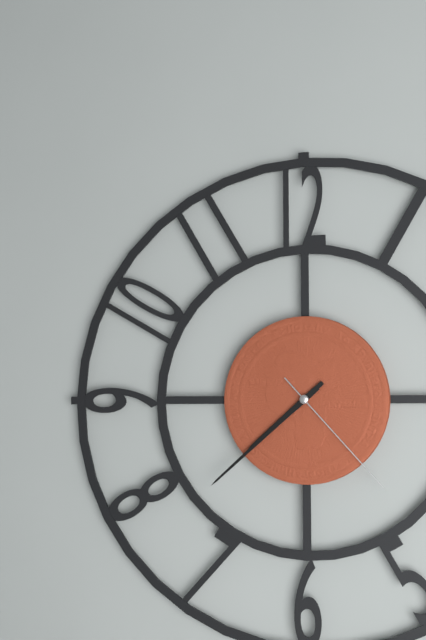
7:38:23
